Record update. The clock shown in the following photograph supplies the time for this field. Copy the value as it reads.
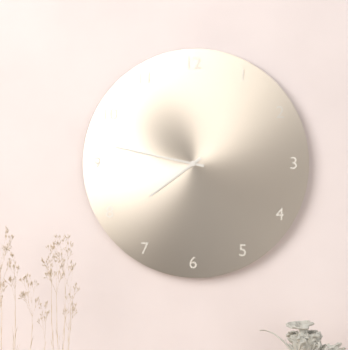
7:47
